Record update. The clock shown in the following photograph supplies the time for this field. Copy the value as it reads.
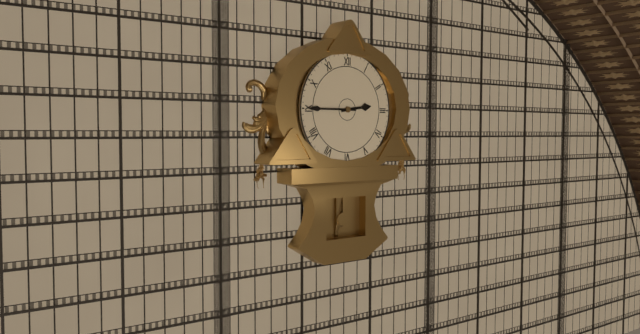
2:45
